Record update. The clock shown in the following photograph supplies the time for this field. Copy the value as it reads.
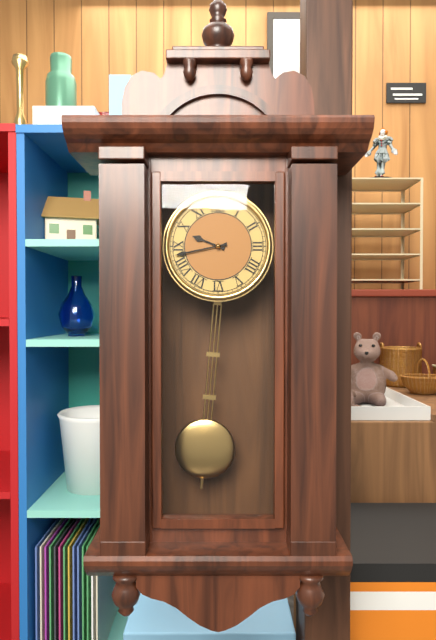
9:43
